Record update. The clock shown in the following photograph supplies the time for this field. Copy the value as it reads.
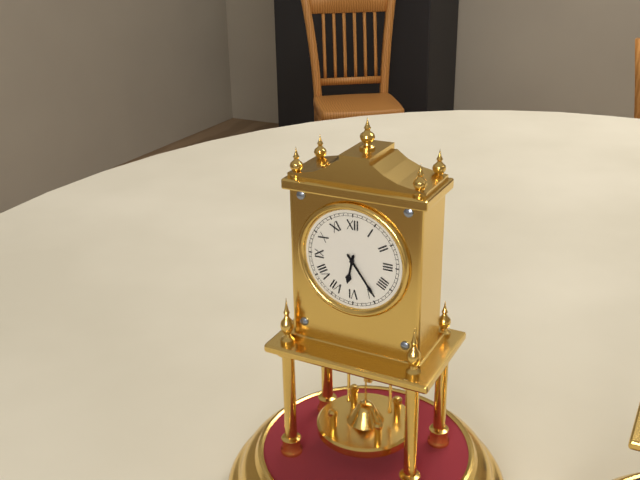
6:24
